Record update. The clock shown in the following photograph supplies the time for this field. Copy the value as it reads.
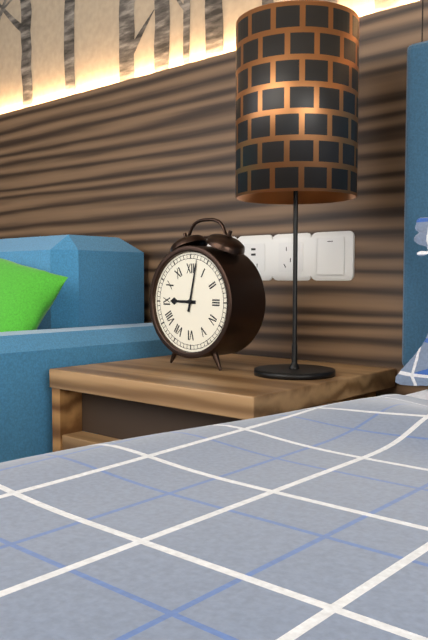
9:02
